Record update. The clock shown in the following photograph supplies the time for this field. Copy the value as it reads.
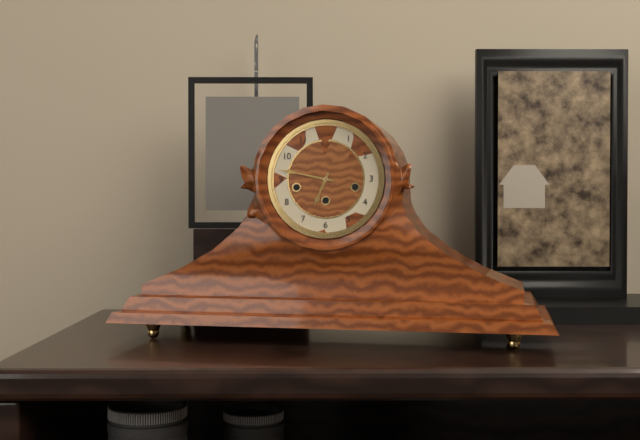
6:47
